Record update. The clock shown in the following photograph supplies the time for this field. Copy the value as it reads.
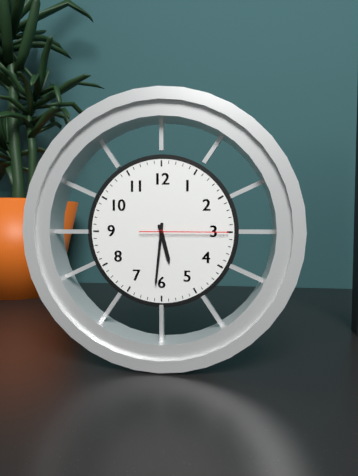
5:31:15
